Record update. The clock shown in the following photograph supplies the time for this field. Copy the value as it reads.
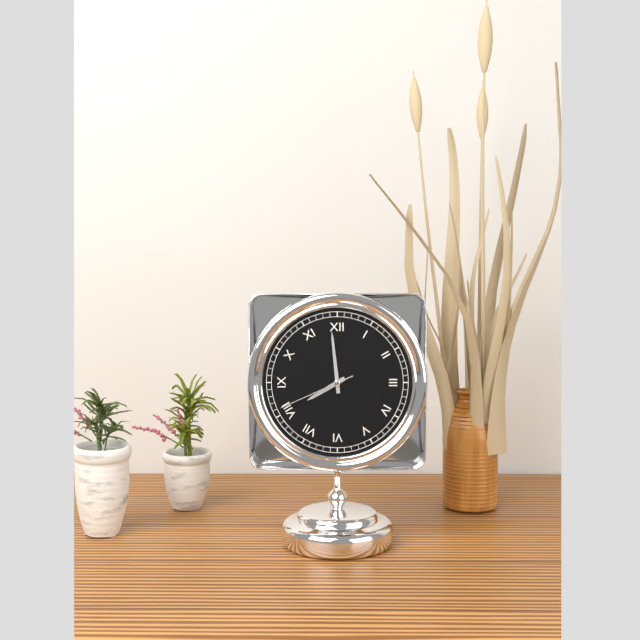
7:59:41
